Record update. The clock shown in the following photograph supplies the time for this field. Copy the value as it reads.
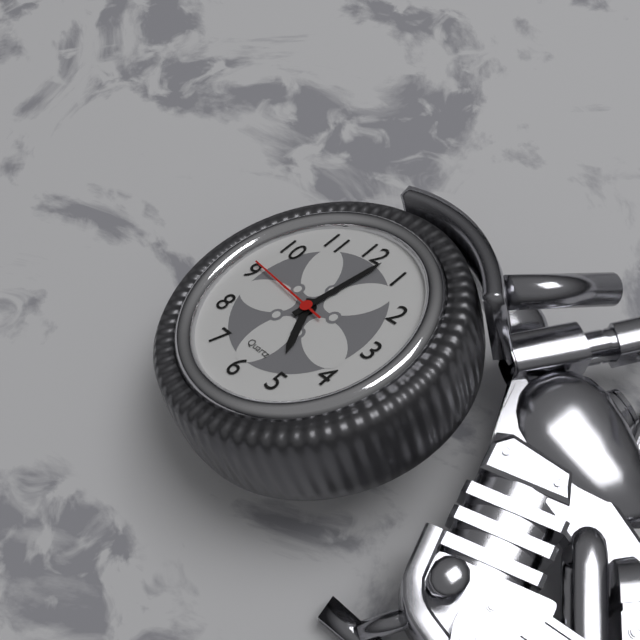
5:02:46
